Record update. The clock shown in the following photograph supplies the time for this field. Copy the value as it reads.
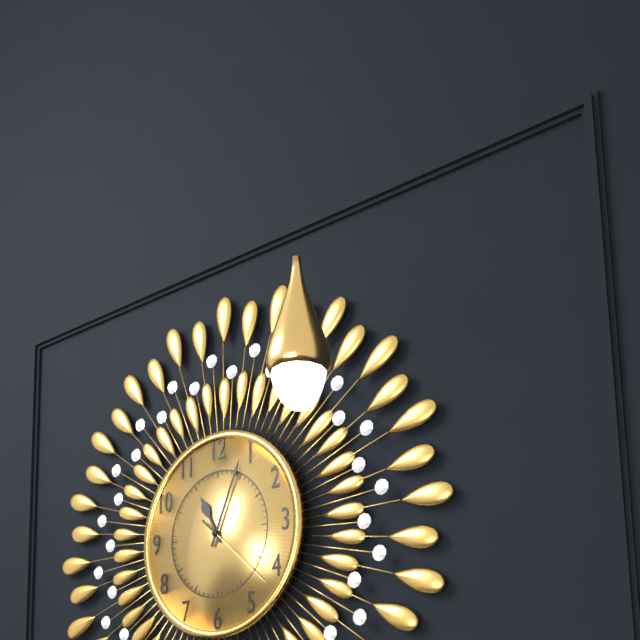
11:04:22
